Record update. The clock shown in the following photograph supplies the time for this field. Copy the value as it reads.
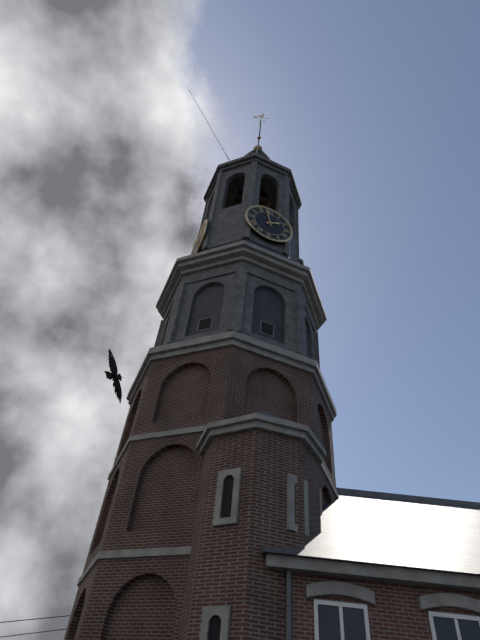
1:58
